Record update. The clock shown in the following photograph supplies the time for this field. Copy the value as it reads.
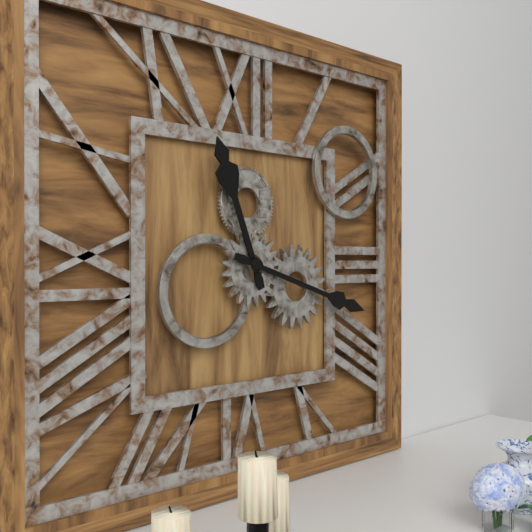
11:18
